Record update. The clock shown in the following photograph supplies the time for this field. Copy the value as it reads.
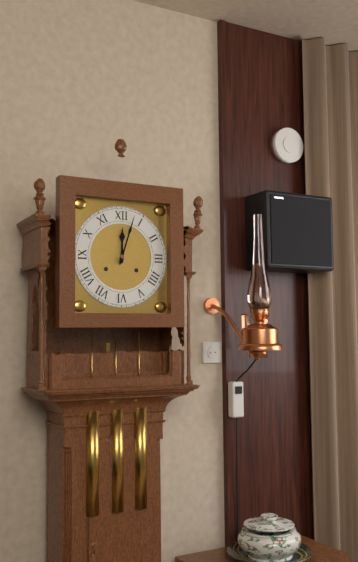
12:03
